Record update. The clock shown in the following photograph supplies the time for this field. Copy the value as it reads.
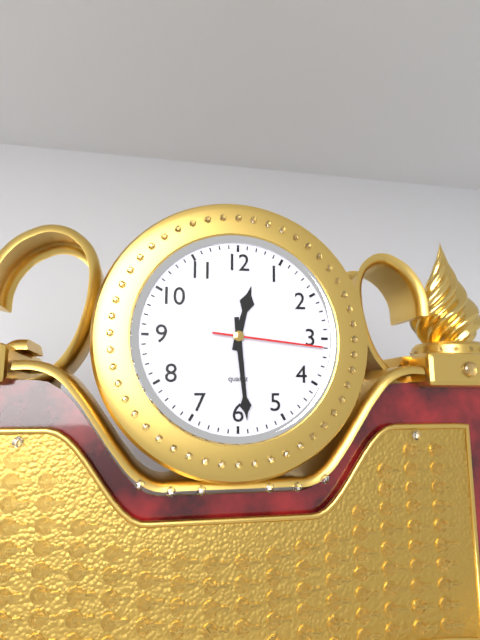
12:29:16
